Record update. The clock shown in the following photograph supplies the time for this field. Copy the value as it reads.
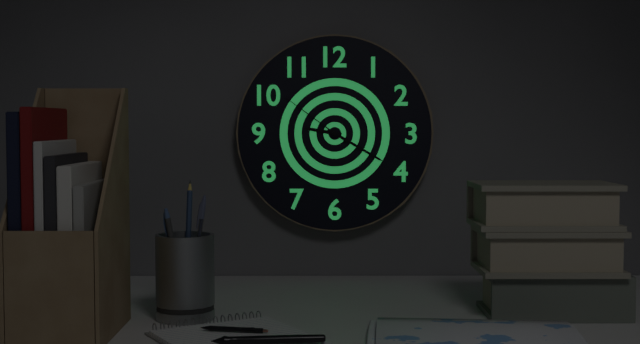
9:20:51
